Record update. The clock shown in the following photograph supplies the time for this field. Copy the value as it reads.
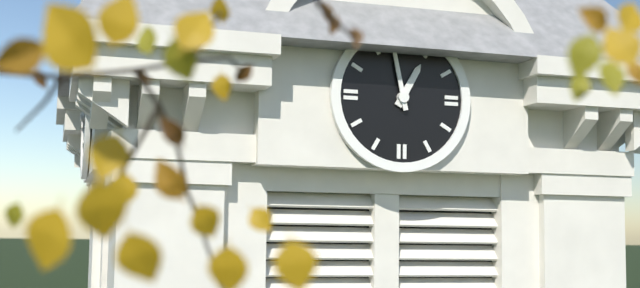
12:58
